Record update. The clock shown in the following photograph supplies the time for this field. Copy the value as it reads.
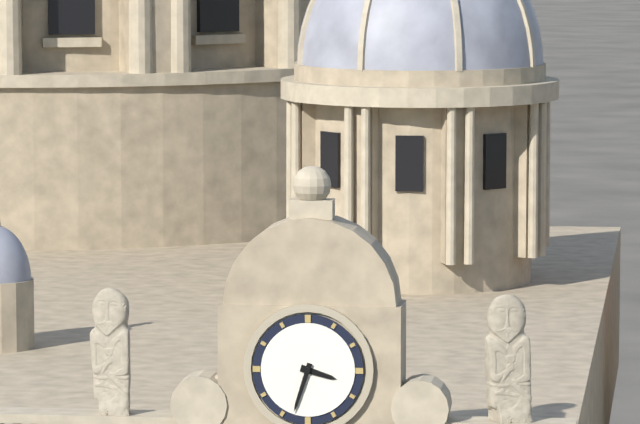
3:33
